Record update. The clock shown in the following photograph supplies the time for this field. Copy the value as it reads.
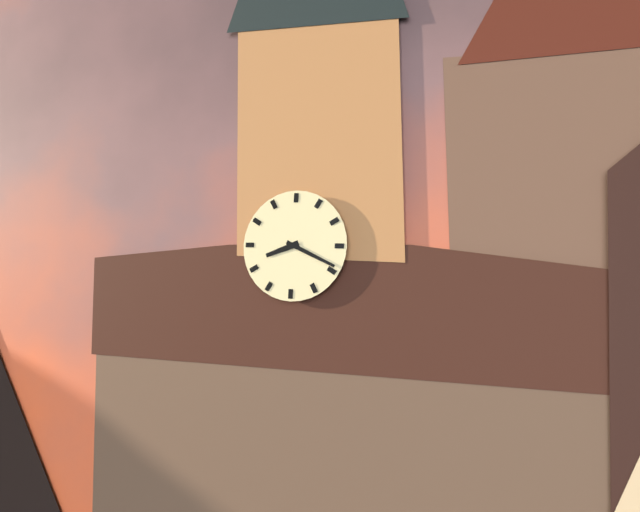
8:19
